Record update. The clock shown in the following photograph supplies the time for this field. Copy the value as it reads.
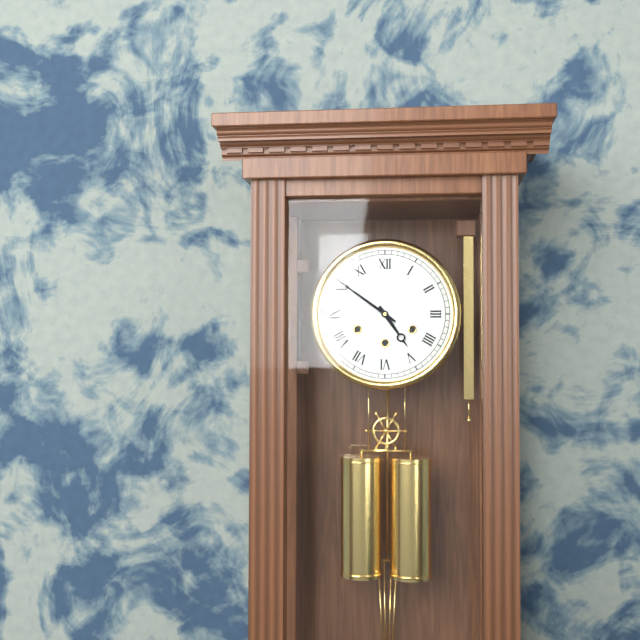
4:51
